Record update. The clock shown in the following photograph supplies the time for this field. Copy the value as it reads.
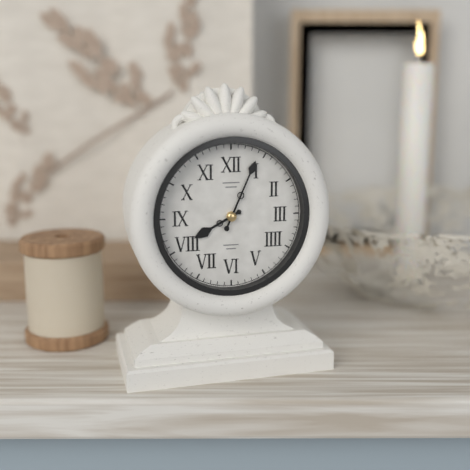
8:04
